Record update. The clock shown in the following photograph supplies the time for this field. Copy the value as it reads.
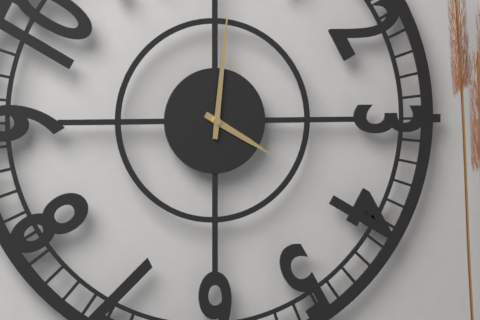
4:01
